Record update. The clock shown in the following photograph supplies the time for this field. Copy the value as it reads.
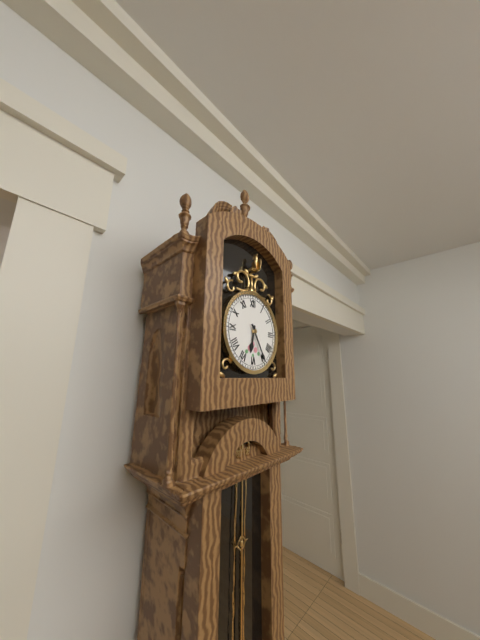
6:25
